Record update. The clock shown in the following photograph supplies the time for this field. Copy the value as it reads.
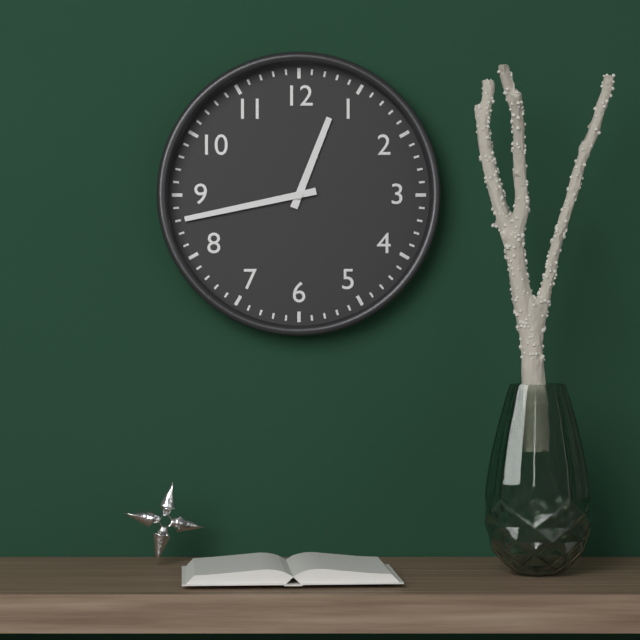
12:43
